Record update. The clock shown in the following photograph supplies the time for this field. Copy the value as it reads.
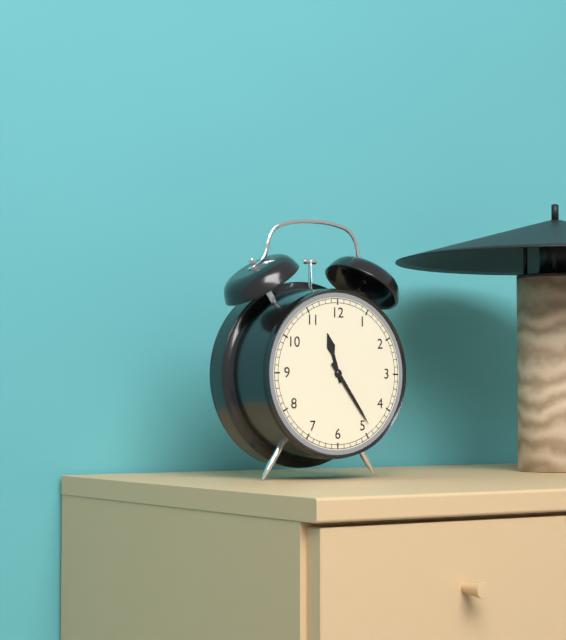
11:24
